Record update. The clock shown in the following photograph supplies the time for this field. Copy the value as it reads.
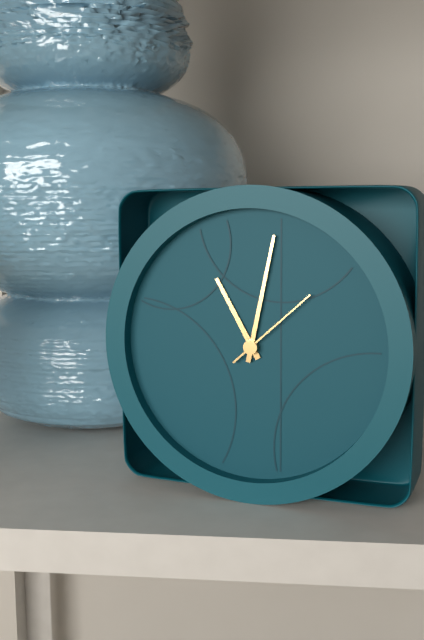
11:02:08
